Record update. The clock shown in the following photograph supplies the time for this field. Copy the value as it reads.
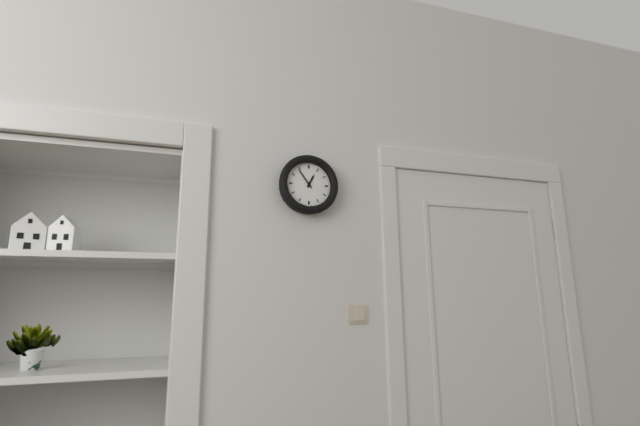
12:54
